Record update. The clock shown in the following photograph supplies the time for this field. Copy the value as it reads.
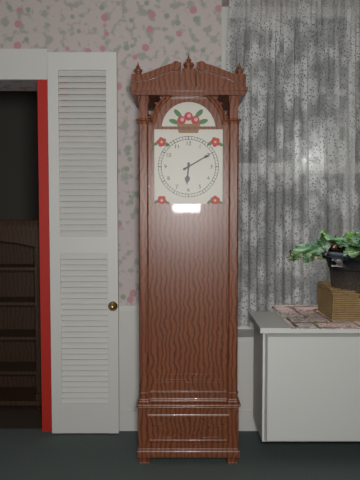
6:10
